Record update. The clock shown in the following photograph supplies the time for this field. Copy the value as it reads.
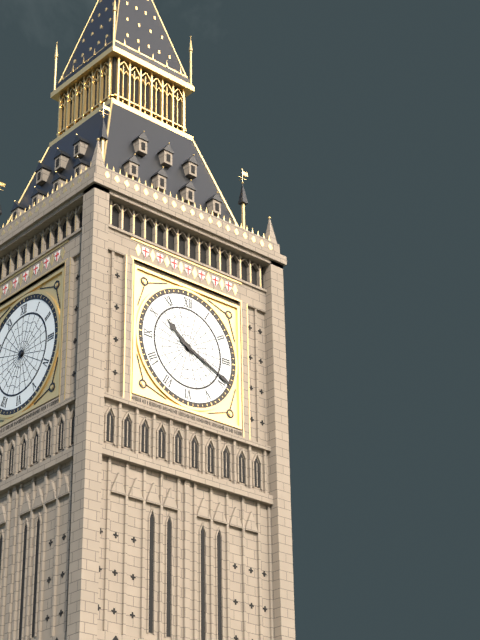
10:19
